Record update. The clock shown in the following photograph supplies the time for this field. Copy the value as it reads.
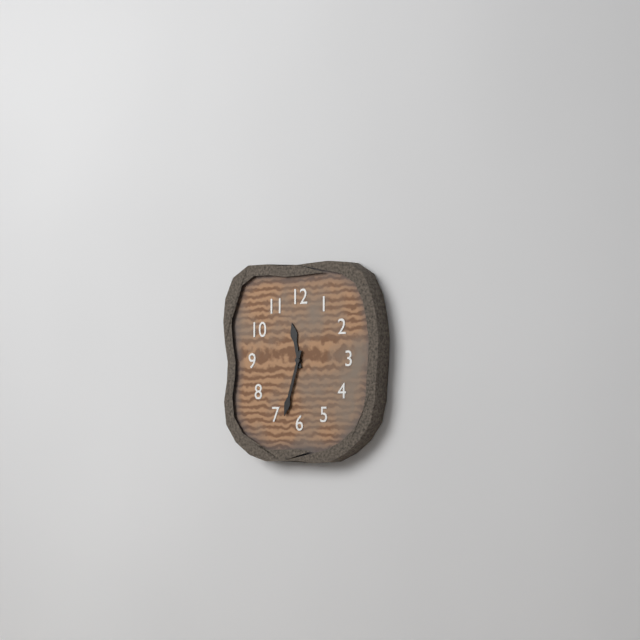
11:33
